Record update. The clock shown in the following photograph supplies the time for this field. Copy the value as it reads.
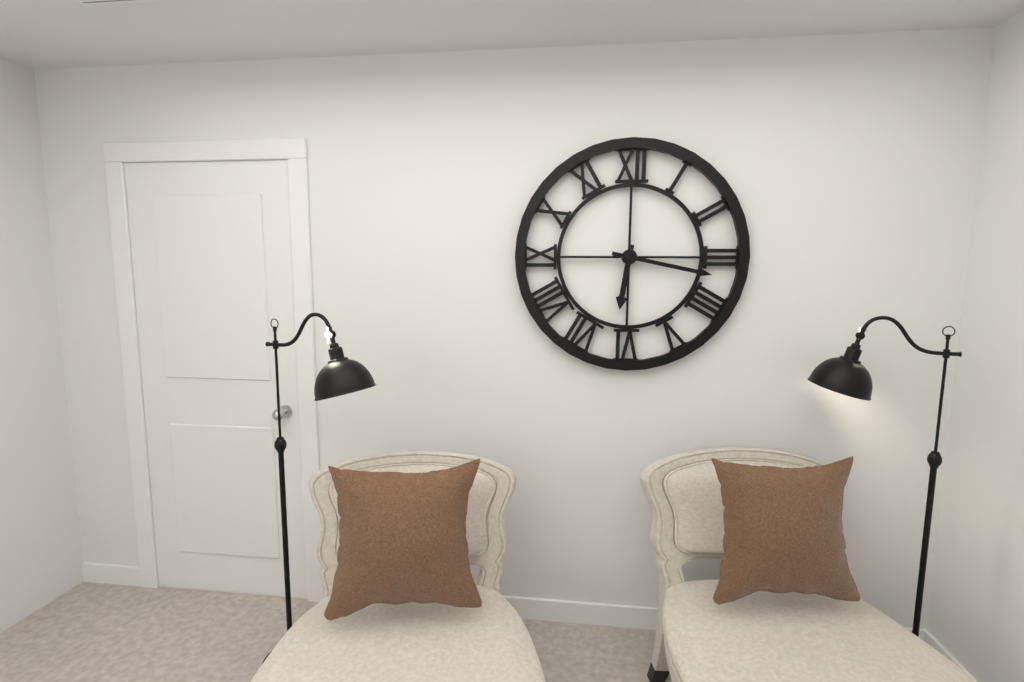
6:17
